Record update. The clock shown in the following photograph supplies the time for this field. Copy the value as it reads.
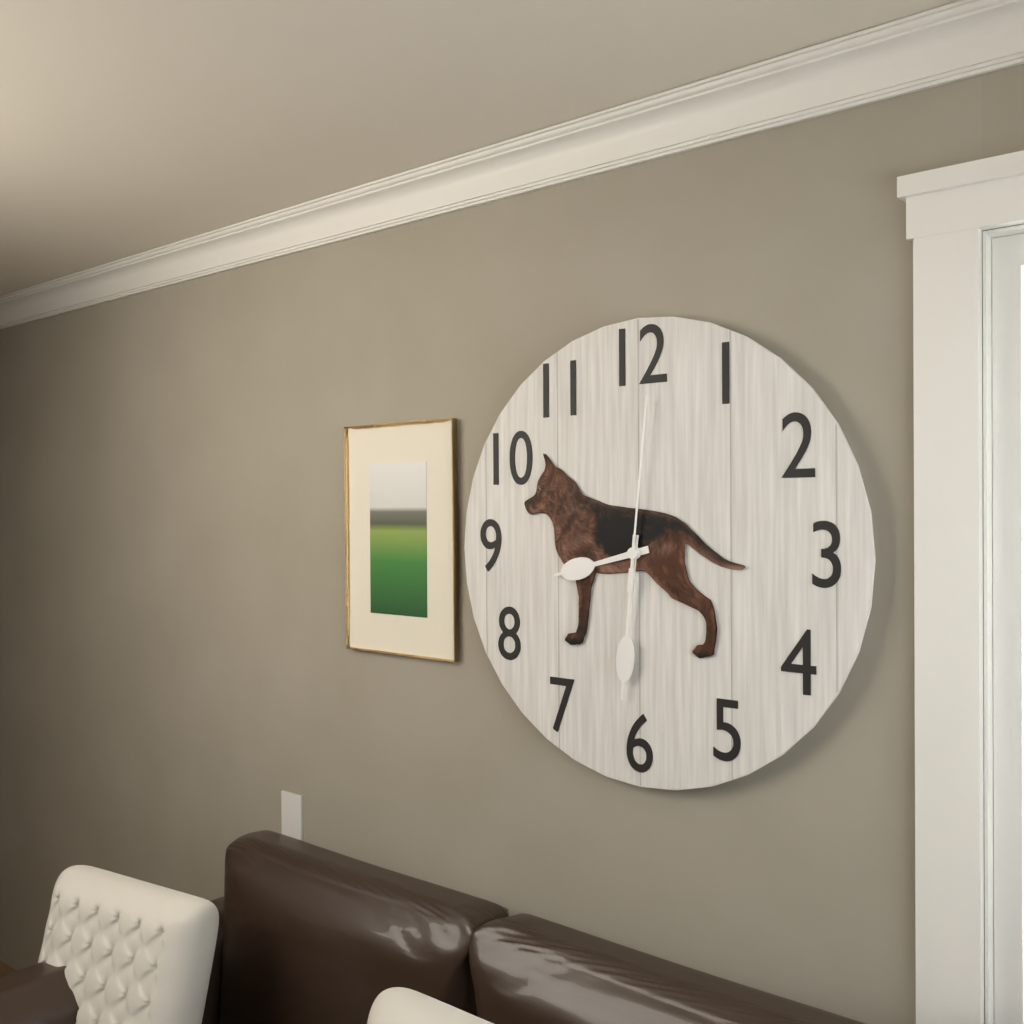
8:31:01
